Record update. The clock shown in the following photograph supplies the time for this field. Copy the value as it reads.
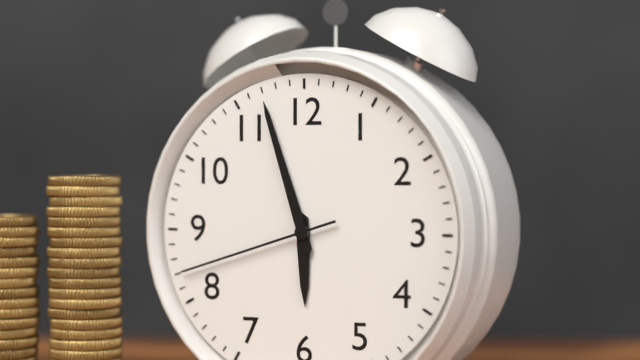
5:57:42
